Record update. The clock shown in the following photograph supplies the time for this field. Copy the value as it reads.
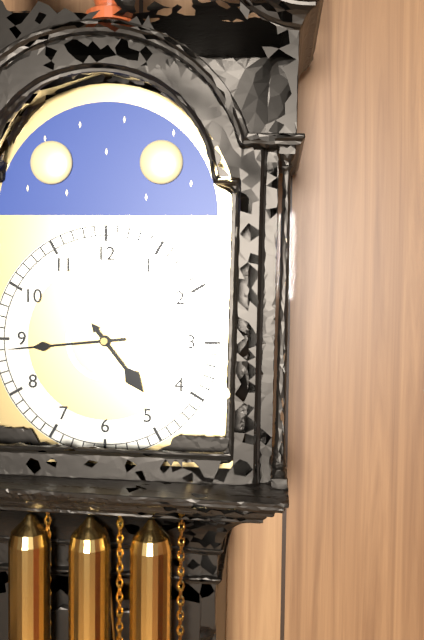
4:44
